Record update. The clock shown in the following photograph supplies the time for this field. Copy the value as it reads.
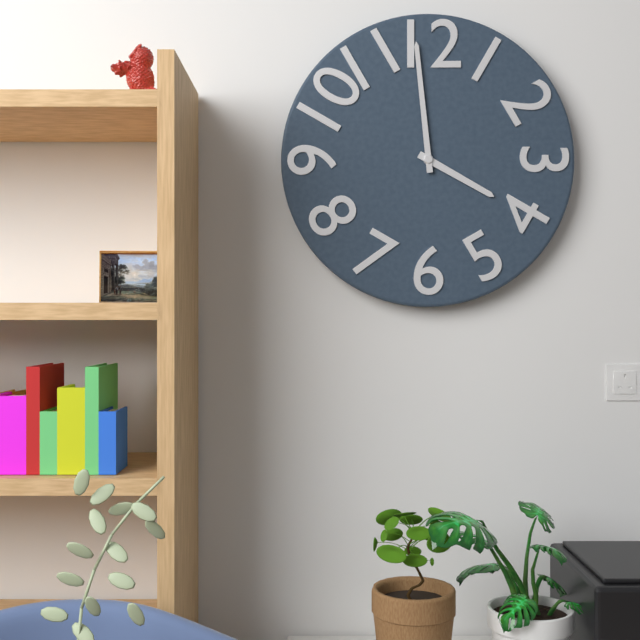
3:59
